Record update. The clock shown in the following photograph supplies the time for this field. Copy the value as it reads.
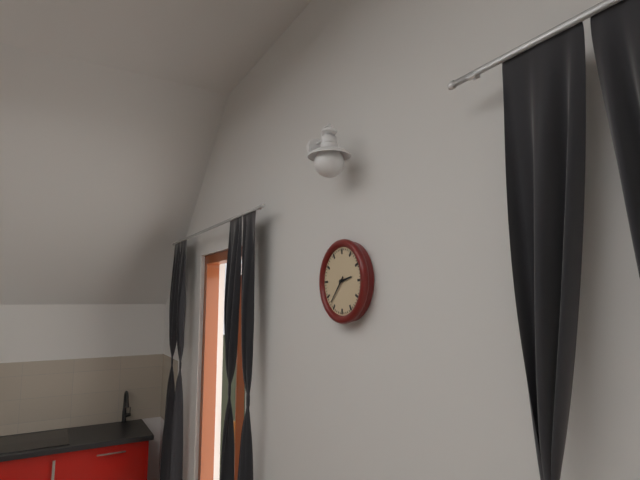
2:37
